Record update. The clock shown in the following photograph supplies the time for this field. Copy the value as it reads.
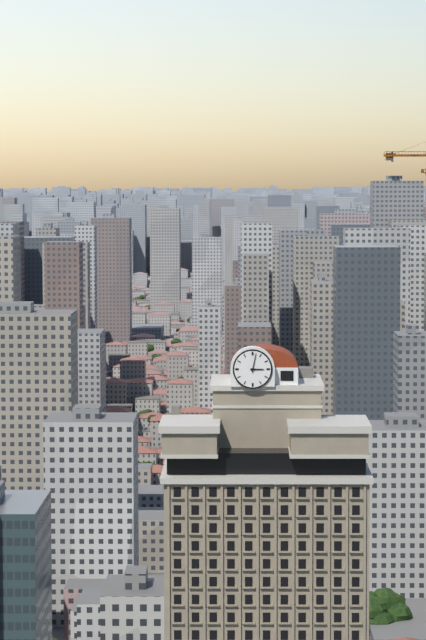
3:02
